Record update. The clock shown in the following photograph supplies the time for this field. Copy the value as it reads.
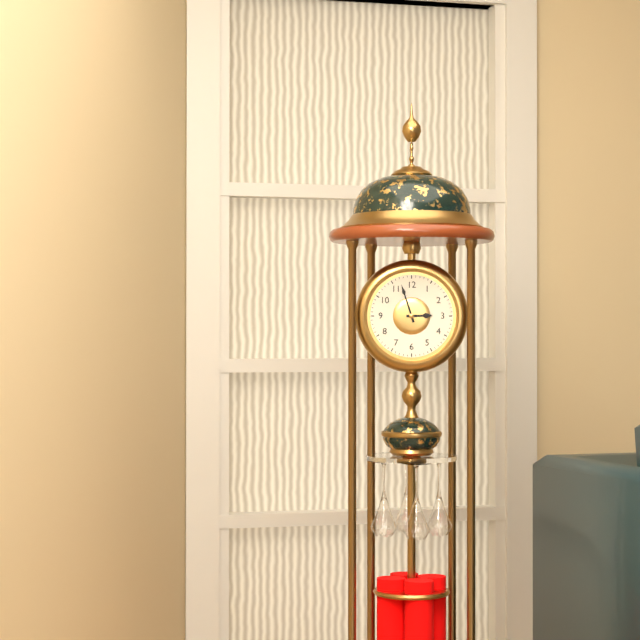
2:57
